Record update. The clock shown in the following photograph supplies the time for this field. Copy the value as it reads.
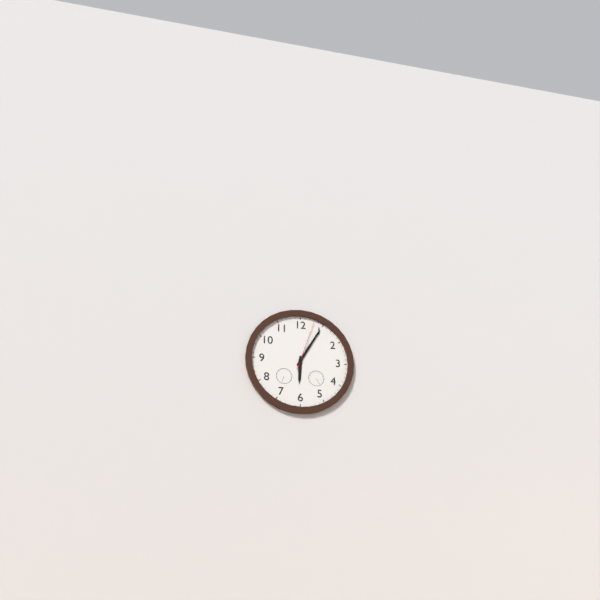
6:05:03
